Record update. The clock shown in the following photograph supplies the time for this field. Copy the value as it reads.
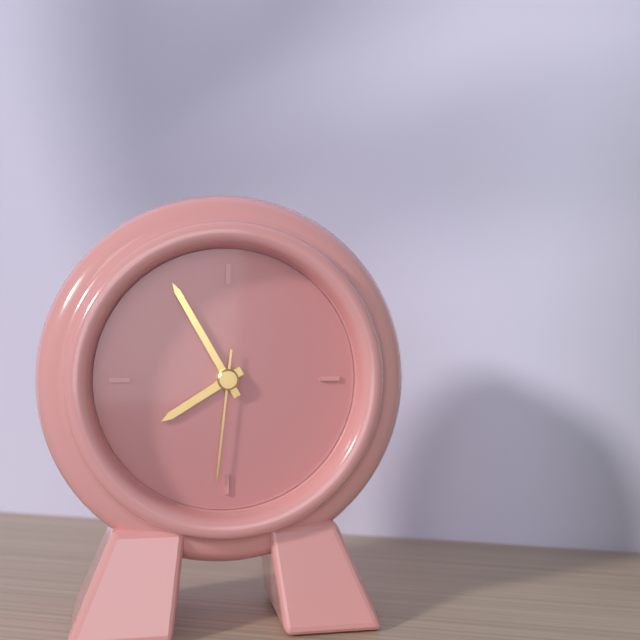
7:55:31
